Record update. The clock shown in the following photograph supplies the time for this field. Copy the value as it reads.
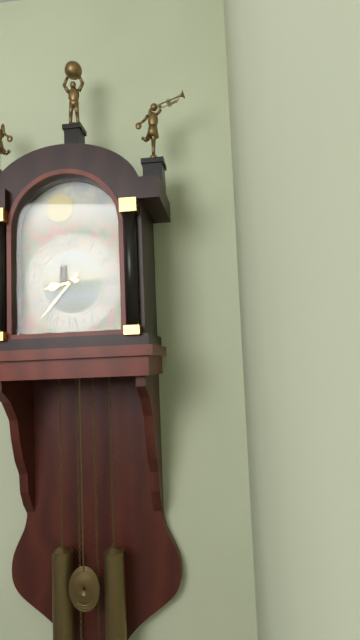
8:37
